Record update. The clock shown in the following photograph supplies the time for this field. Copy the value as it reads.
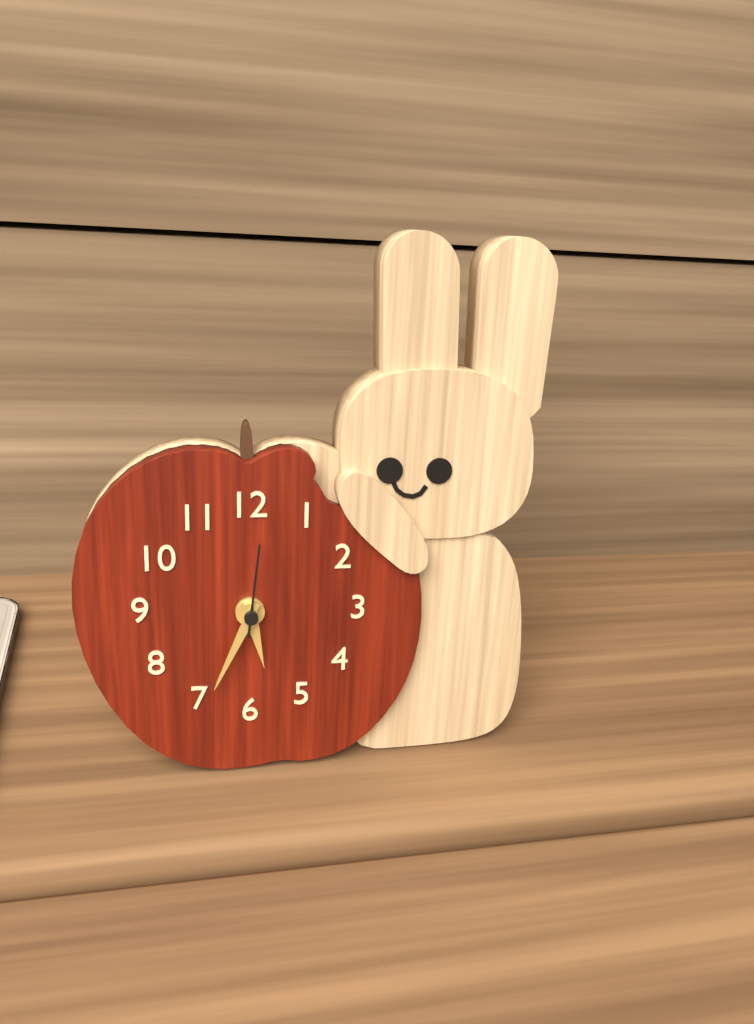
5:34:01
